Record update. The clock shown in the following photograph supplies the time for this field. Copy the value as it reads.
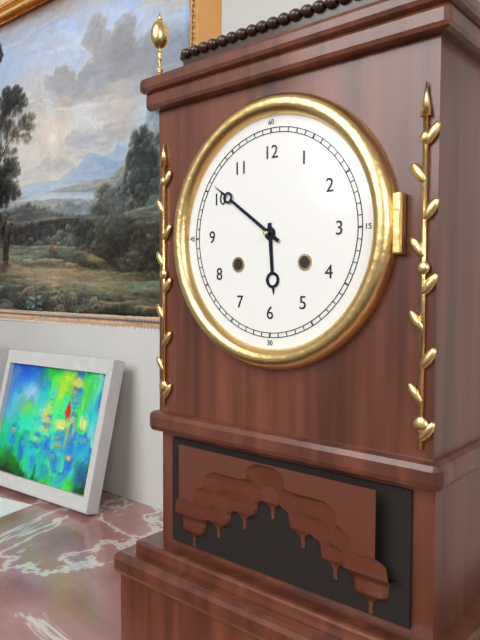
5:51
